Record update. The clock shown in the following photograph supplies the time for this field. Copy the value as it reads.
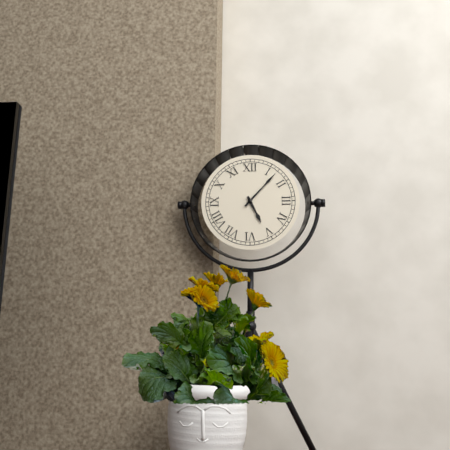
5:07
